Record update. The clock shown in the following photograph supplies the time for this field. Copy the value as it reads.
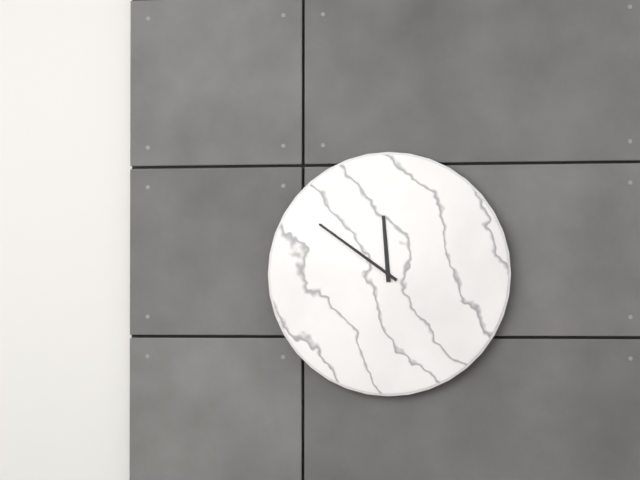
11:51
